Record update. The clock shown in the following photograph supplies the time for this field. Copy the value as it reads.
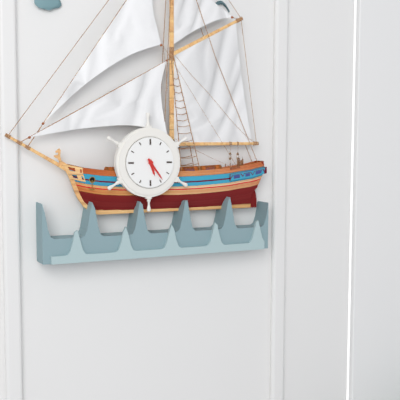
5:24
